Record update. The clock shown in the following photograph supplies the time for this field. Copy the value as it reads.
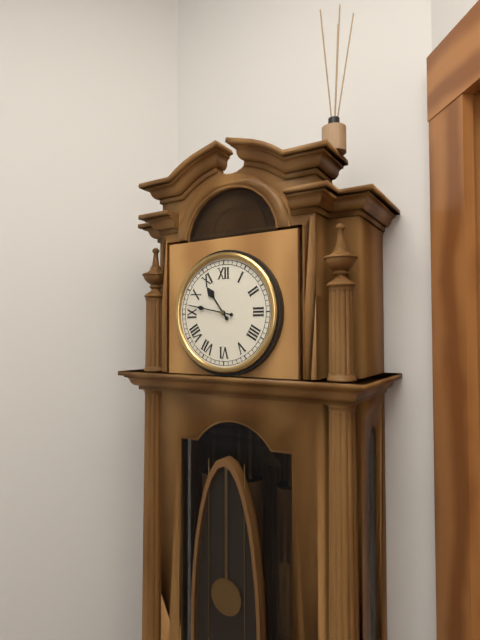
10:47
